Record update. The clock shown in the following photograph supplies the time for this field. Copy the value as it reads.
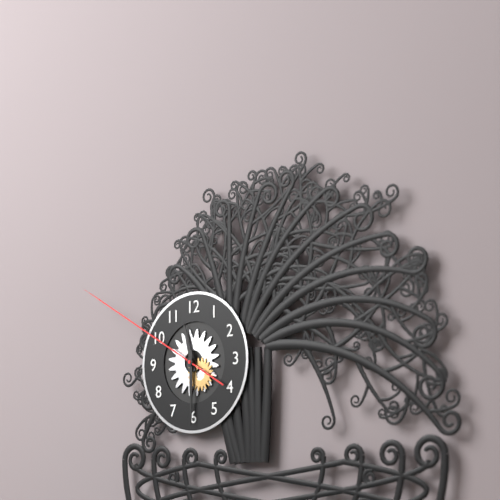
11:30:50
